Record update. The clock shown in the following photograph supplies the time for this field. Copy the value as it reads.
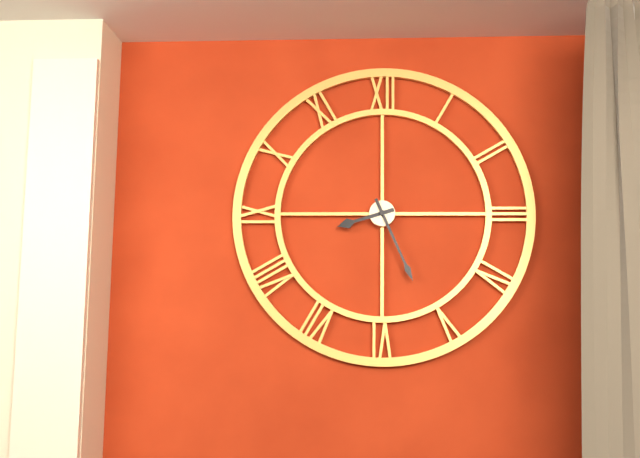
8:26
